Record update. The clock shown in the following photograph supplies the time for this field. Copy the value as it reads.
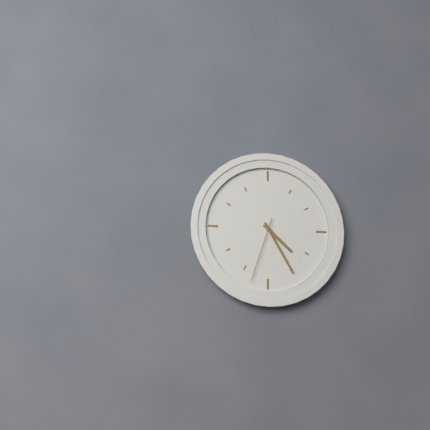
4:25:33
